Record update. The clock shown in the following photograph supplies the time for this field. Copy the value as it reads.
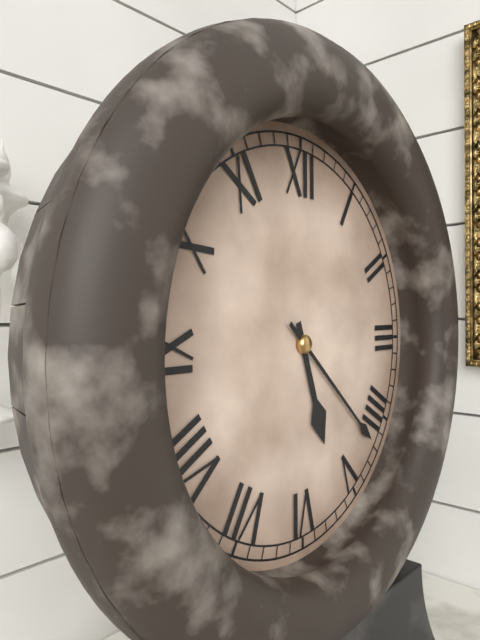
5:22
